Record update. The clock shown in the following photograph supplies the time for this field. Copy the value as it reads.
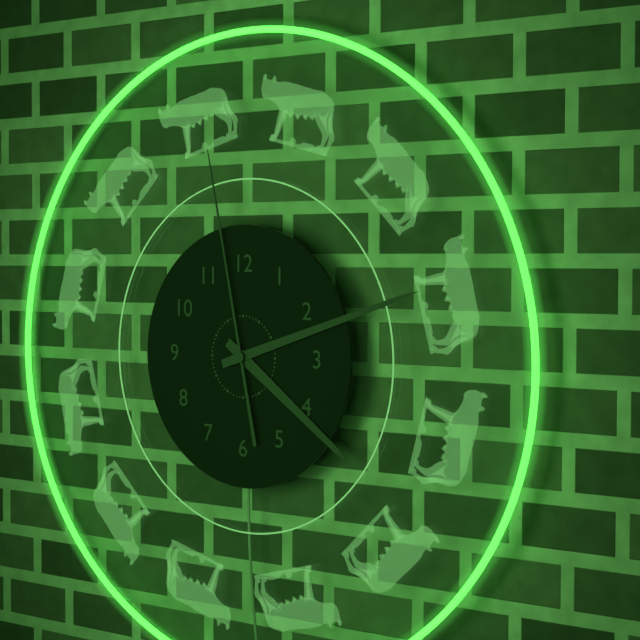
4:12:58
